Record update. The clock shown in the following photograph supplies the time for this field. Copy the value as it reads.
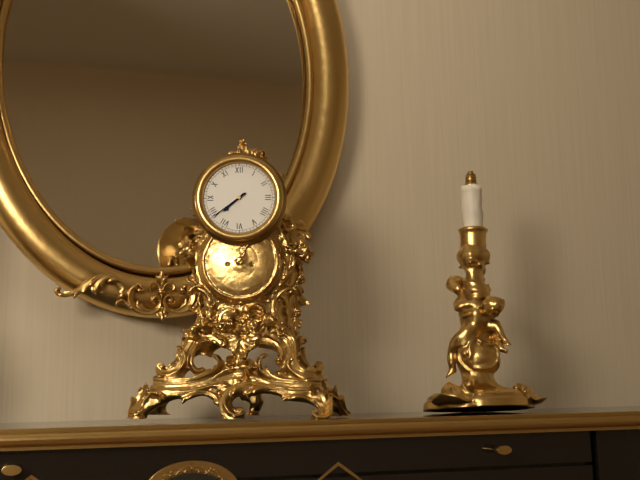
7:39
